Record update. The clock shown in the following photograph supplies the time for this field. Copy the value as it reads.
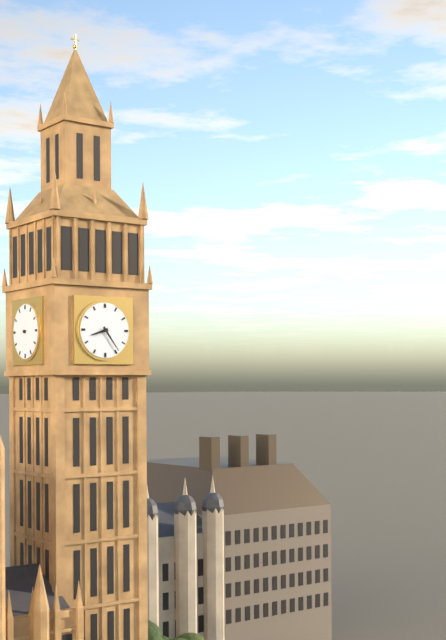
8:24
